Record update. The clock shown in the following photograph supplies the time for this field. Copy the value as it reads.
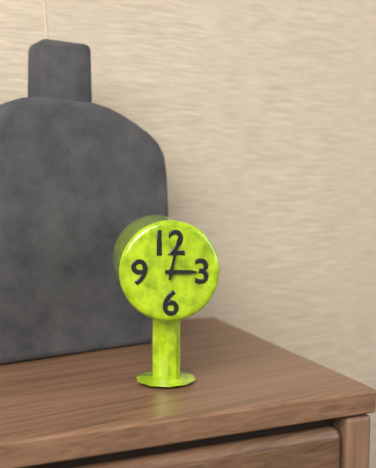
3:02
